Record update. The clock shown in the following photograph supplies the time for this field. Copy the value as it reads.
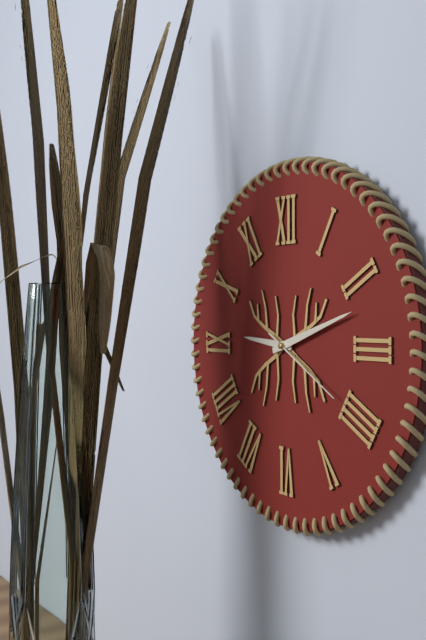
9:12:20
